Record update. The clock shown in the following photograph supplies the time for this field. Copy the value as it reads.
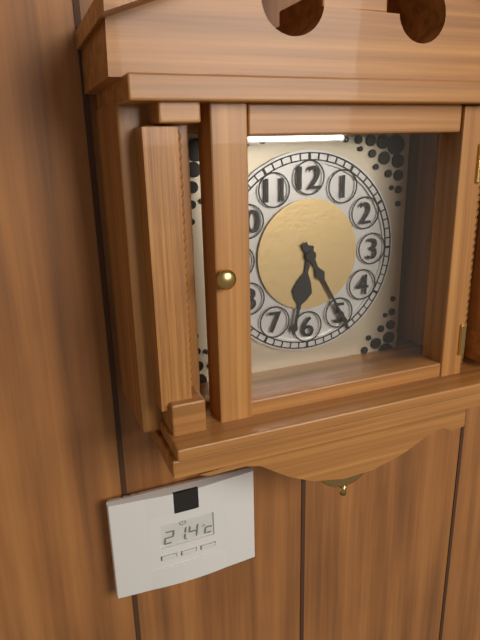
6:25
